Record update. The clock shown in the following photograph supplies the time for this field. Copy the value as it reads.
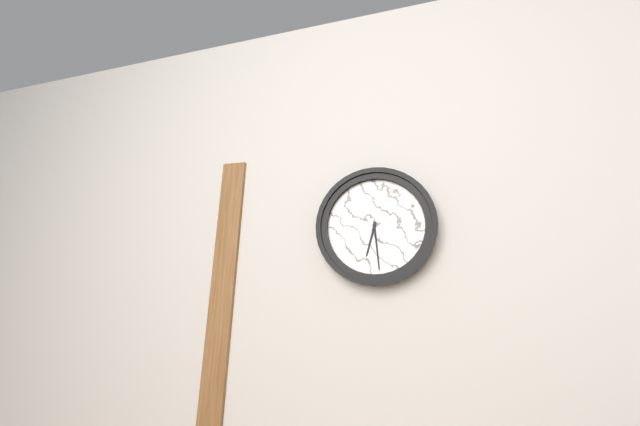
6:29
